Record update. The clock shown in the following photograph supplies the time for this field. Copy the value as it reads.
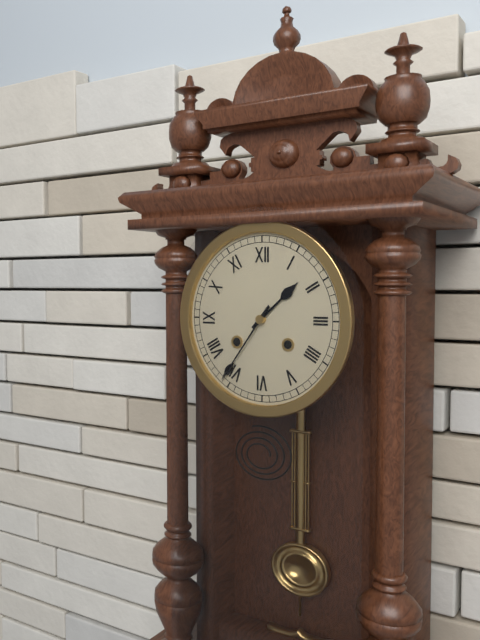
1:36
